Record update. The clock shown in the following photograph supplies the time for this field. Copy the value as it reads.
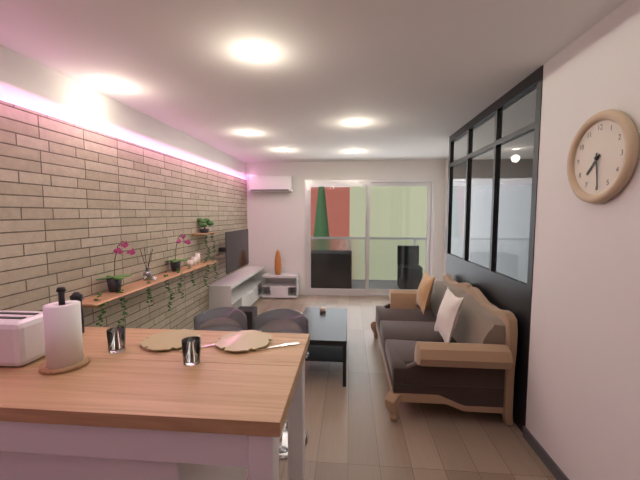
7:29
